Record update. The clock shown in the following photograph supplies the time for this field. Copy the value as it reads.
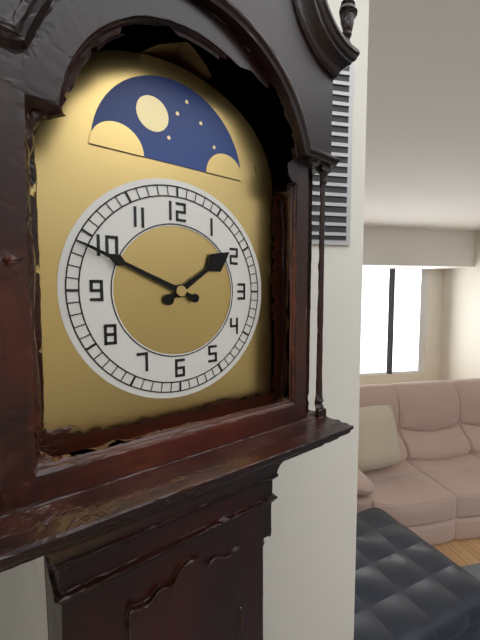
1:49
